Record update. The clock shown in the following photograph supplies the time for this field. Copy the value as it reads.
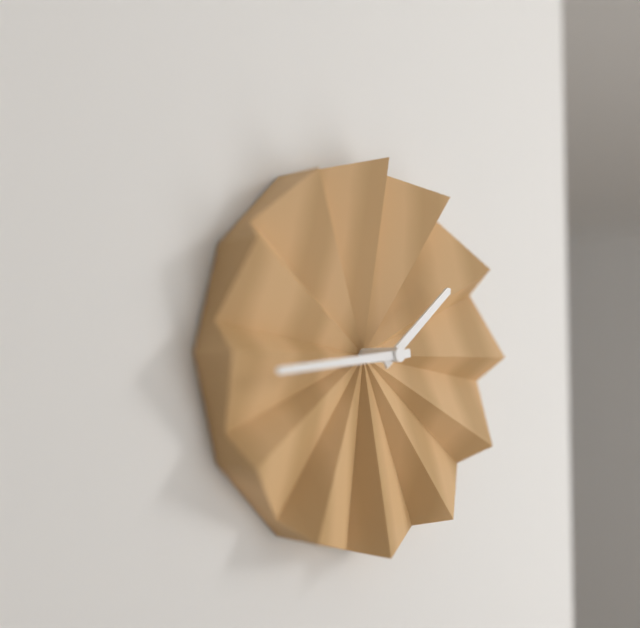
1:44
